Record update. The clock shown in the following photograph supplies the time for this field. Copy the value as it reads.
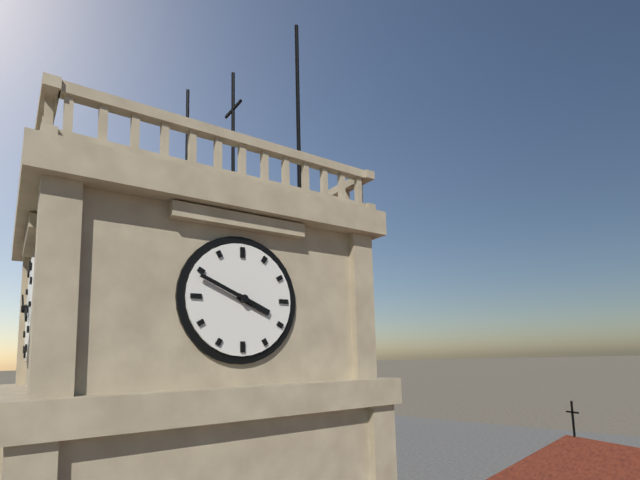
3:49
